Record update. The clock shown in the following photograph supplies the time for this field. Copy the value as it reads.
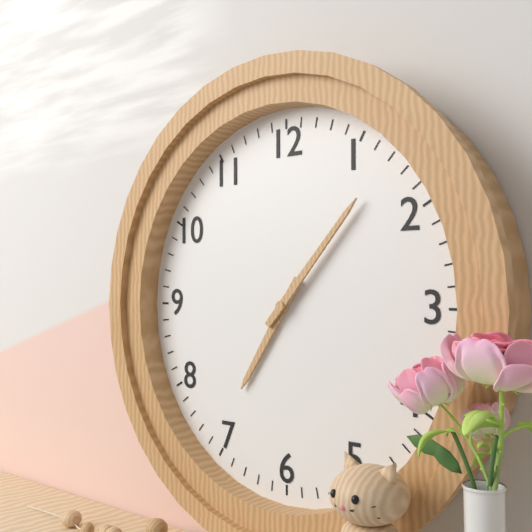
7:07
